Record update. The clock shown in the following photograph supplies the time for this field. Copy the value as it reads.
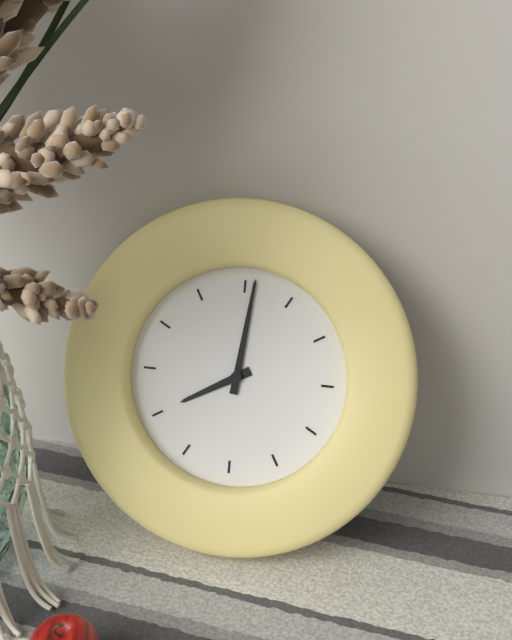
8:01
